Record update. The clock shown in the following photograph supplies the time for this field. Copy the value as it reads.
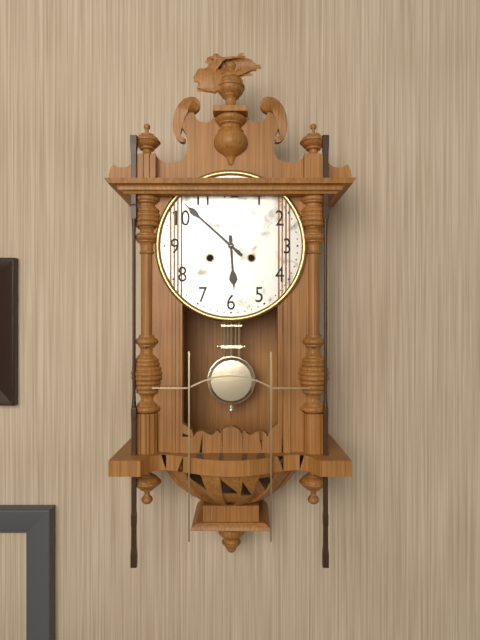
5:52
